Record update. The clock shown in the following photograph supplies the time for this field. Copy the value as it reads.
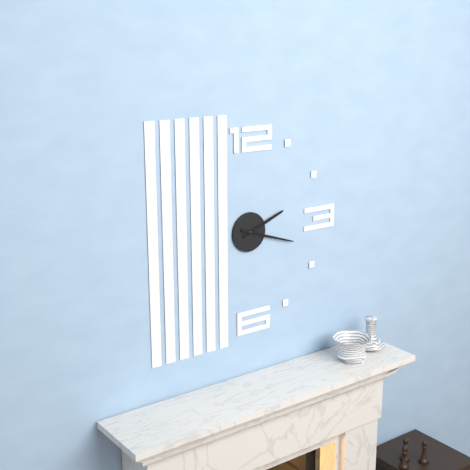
2:18
